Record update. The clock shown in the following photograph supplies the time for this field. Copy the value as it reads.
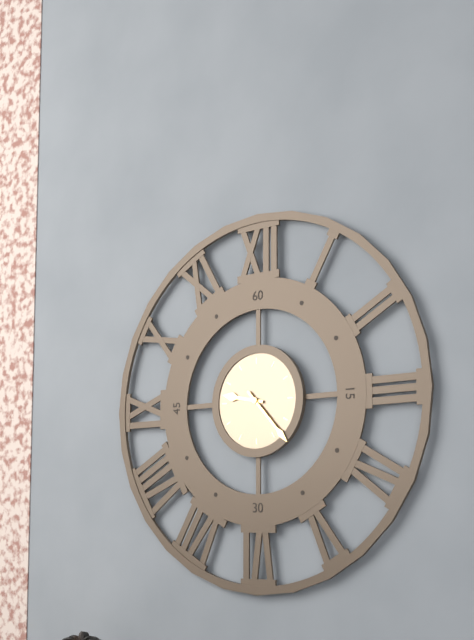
9:23
